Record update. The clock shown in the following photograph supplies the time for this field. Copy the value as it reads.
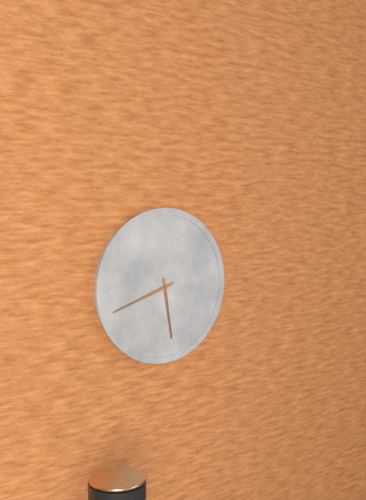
5:42
